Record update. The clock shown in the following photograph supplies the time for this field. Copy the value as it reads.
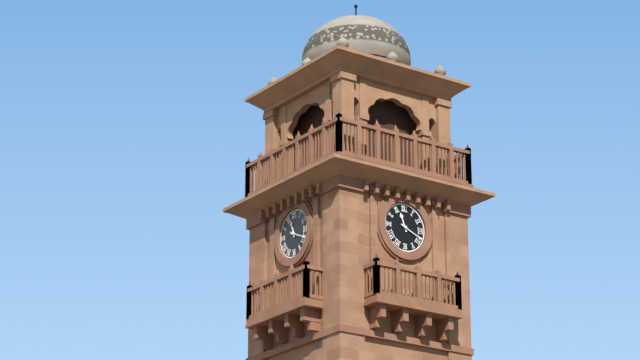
11:19
